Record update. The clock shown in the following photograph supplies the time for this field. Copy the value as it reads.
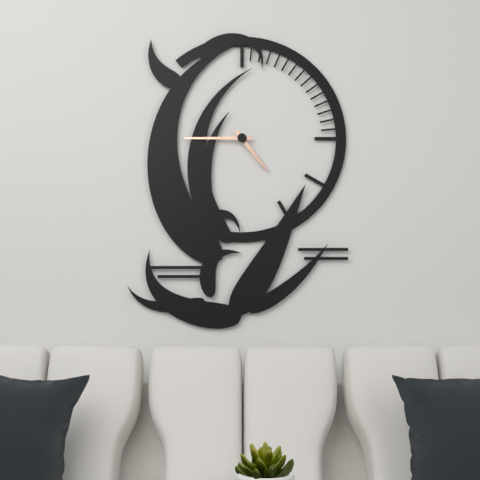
4:45
